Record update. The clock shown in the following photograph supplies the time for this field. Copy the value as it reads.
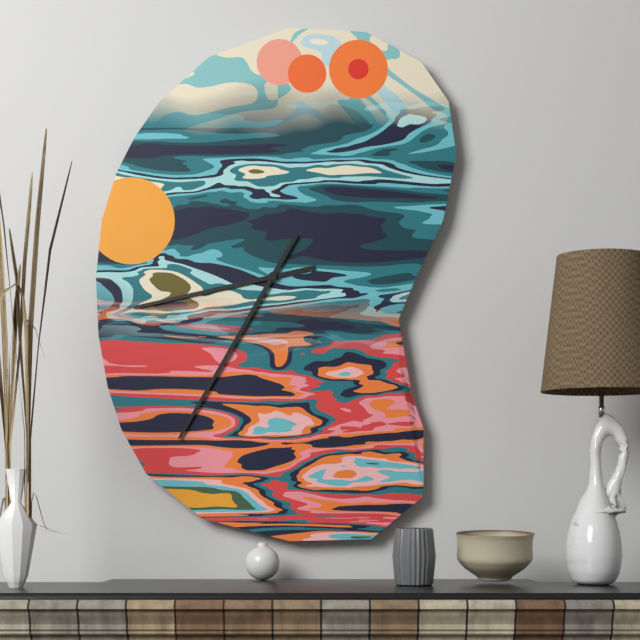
8:35
